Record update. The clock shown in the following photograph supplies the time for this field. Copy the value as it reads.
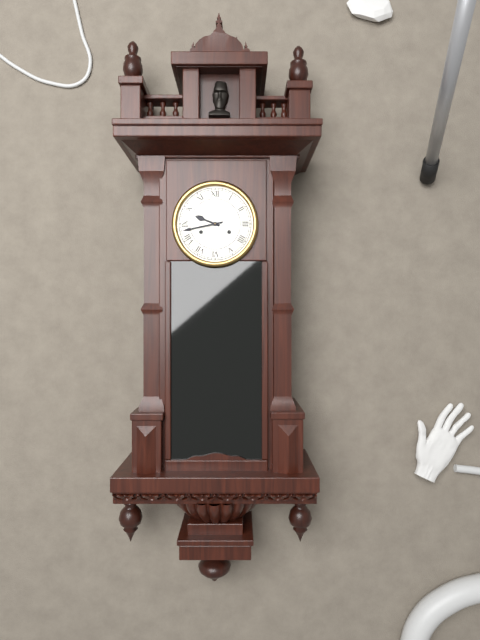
9:43
